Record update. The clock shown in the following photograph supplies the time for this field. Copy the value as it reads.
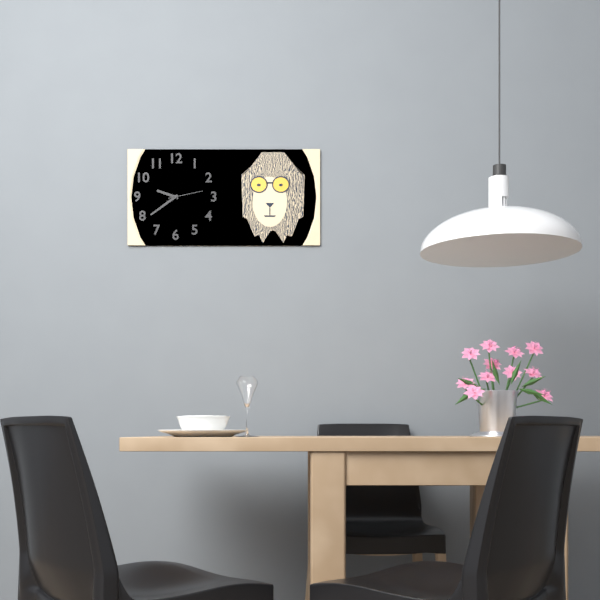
9:39
